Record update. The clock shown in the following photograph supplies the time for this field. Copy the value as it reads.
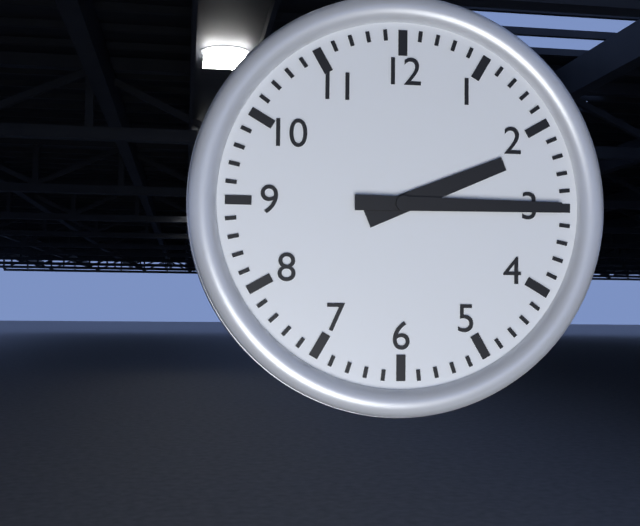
2:15
